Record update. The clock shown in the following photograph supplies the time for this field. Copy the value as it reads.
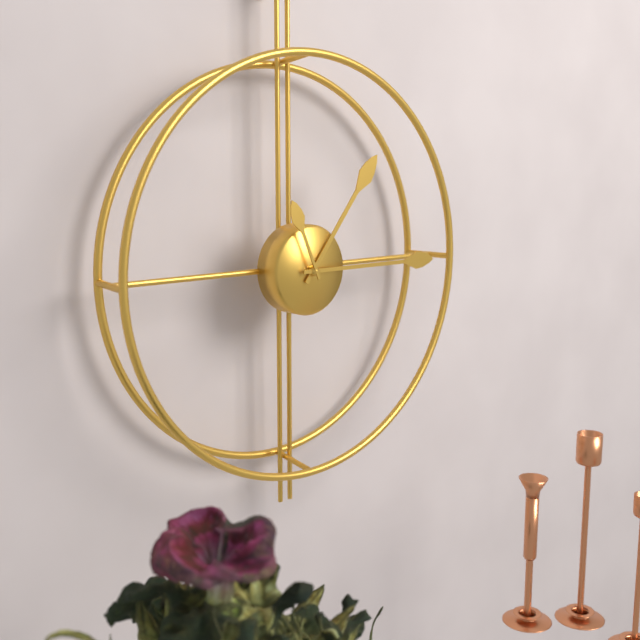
1:15:56
